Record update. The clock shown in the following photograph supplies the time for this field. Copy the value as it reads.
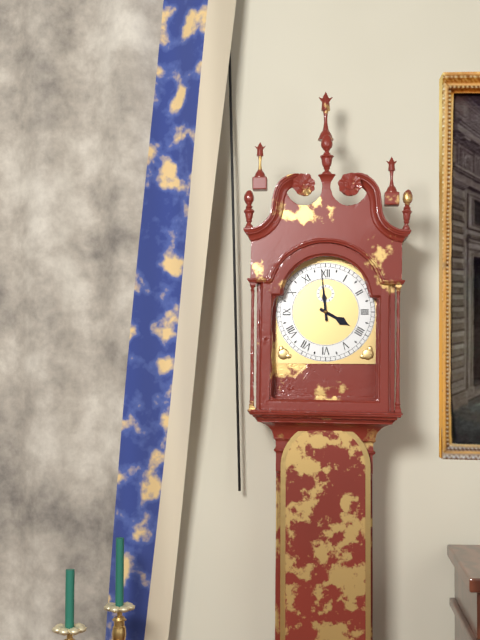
3:59
